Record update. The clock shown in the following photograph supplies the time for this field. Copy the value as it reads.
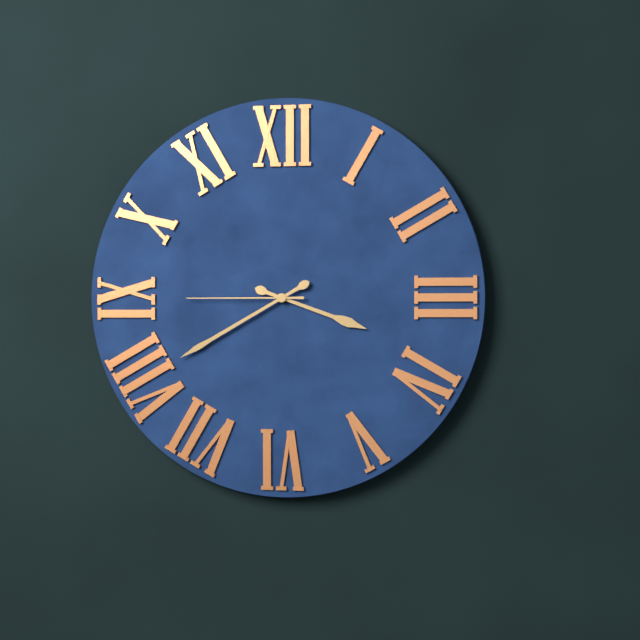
3:40:45
